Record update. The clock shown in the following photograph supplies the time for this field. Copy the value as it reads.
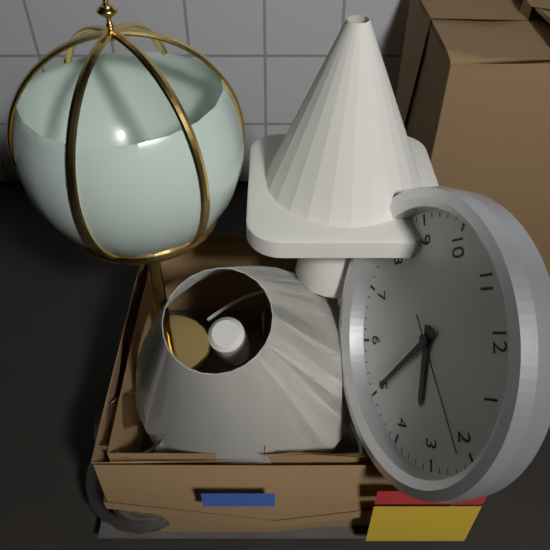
3:25:11
